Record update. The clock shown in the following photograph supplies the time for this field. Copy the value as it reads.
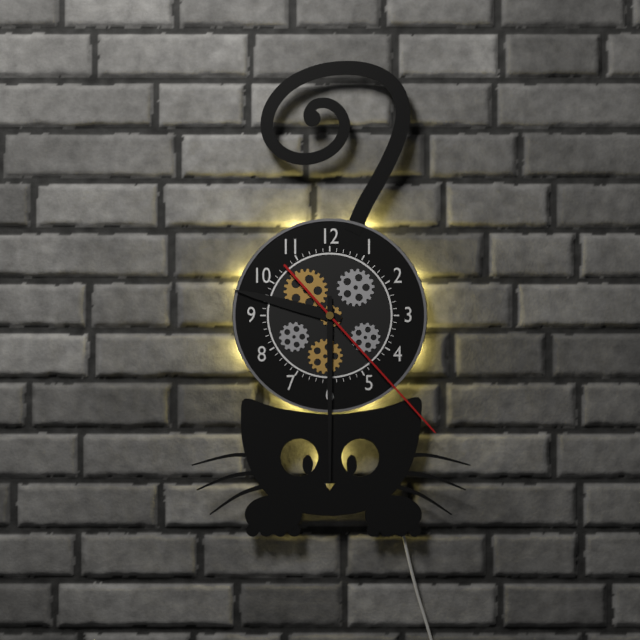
9:30:23
